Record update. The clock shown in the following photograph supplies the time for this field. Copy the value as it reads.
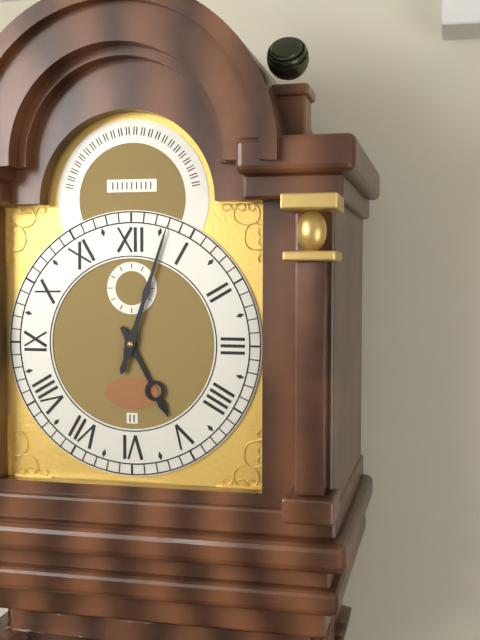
5:03
